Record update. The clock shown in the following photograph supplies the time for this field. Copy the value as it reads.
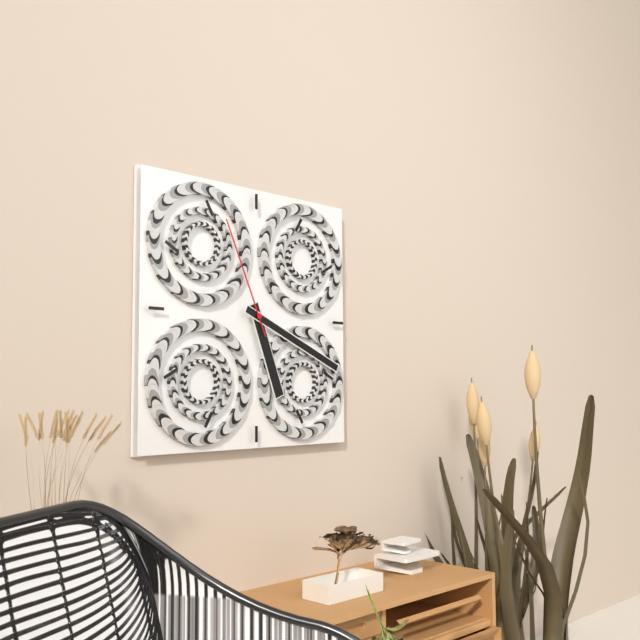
5:19:56
